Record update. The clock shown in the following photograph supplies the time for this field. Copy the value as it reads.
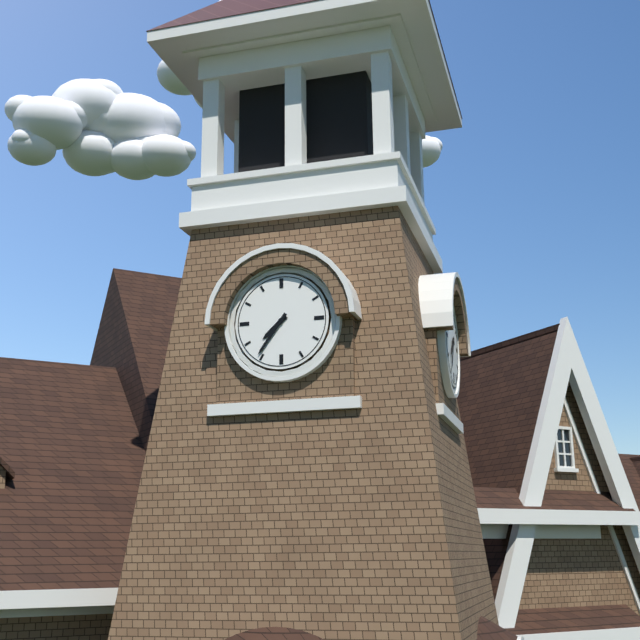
7:36
